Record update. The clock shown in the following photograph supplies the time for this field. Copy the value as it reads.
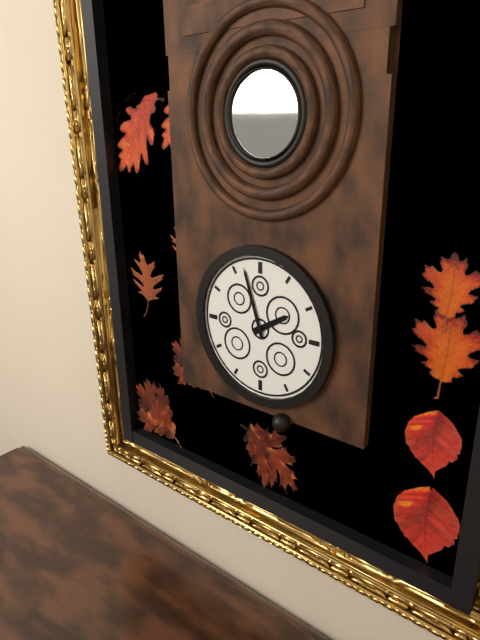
1:57
